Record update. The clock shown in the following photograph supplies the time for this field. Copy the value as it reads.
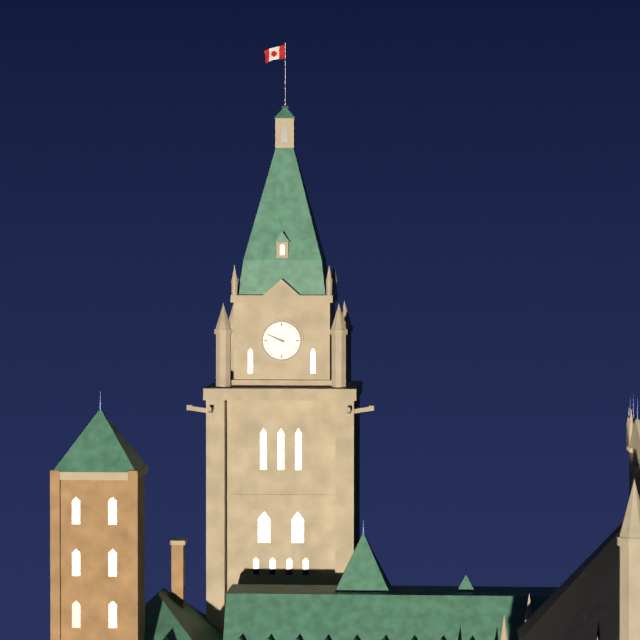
9:49
